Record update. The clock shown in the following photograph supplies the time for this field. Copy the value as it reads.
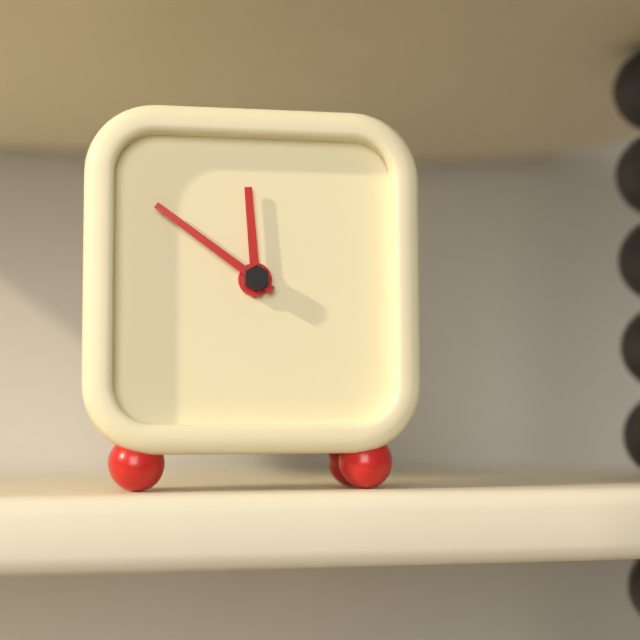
11:51
